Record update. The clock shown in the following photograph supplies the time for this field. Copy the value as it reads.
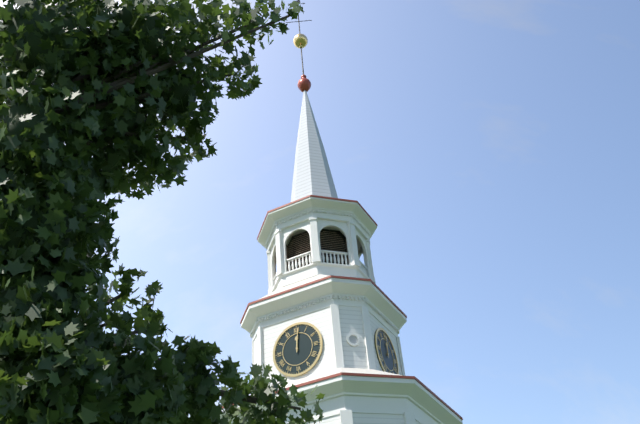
12:01
